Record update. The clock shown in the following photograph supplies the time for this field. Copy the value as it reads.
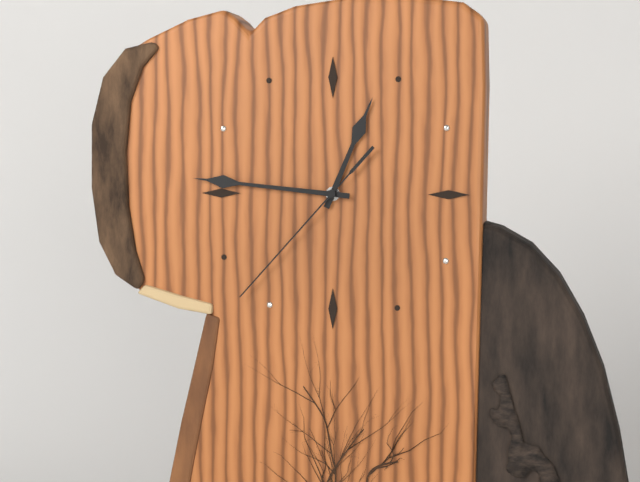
12:46:37
